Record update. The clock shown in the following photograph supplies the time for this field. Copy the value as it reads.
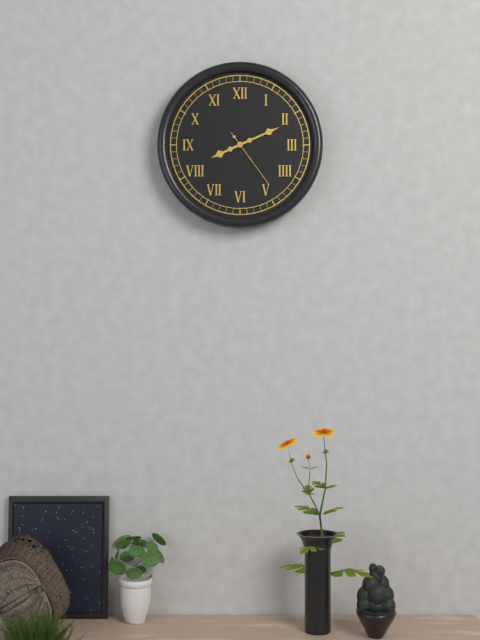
8:11:24
